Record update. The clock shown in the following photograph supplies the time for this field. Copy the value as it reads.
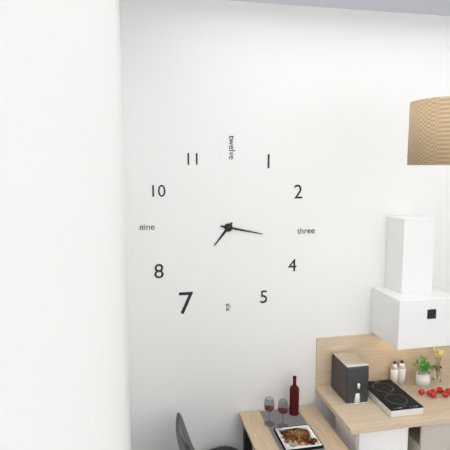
7:17
